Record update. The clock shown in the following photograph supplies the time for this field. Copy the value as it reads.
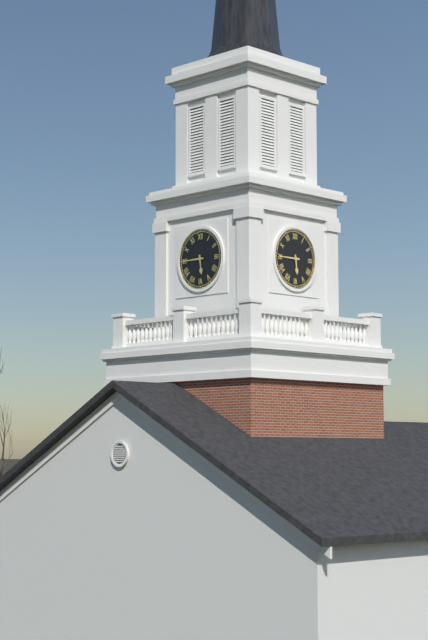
5:45
